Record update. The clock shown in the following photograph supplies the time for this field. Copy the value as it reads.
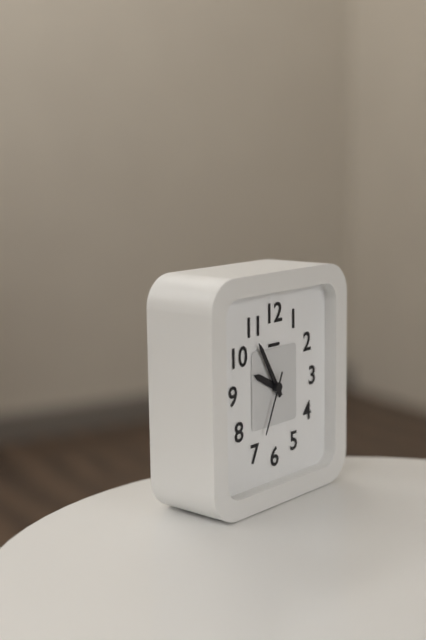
9:55:34
